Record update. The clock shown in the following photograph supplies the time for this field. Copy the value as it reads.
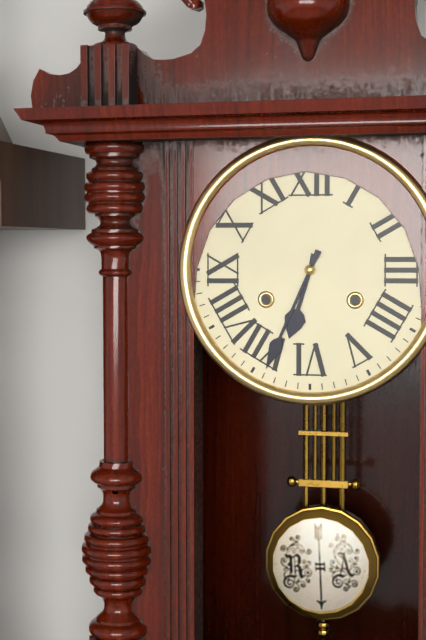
6:34
